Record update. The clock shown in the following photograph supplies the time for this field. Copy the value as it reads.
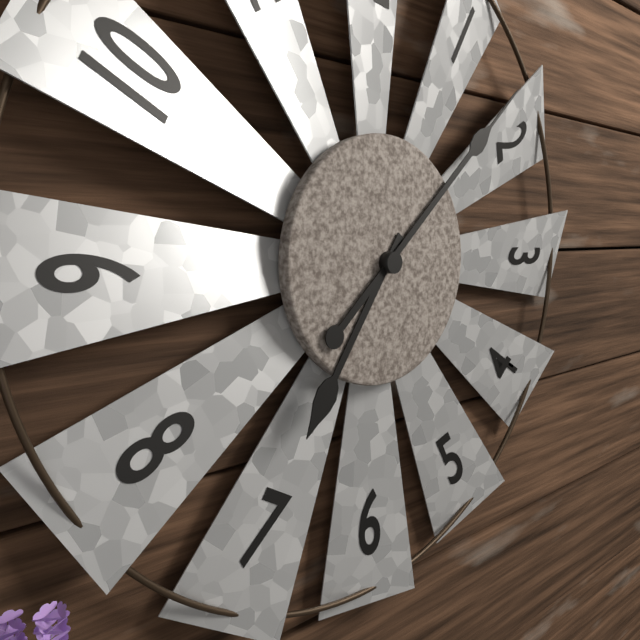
7:08
